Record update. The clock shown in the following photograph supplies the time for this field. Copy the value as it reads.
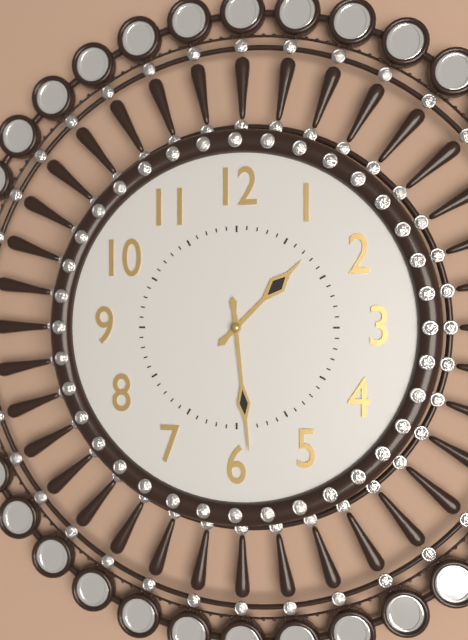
1:29
